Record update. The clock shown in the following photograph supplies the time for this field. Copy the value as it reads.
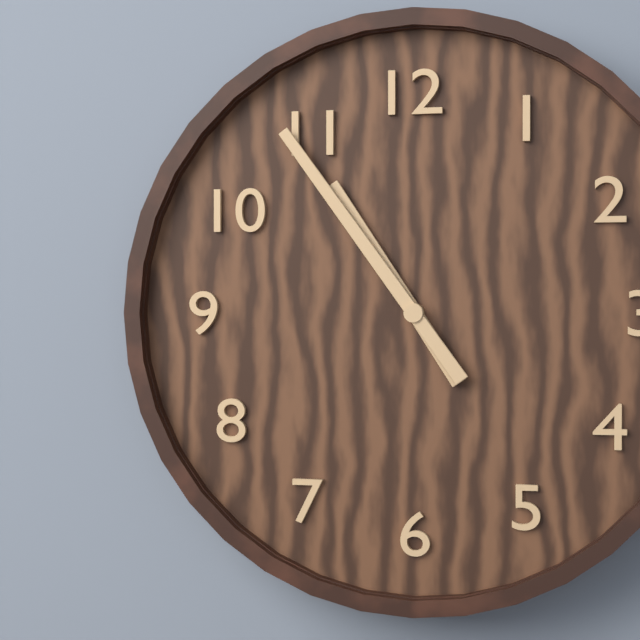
10:54
